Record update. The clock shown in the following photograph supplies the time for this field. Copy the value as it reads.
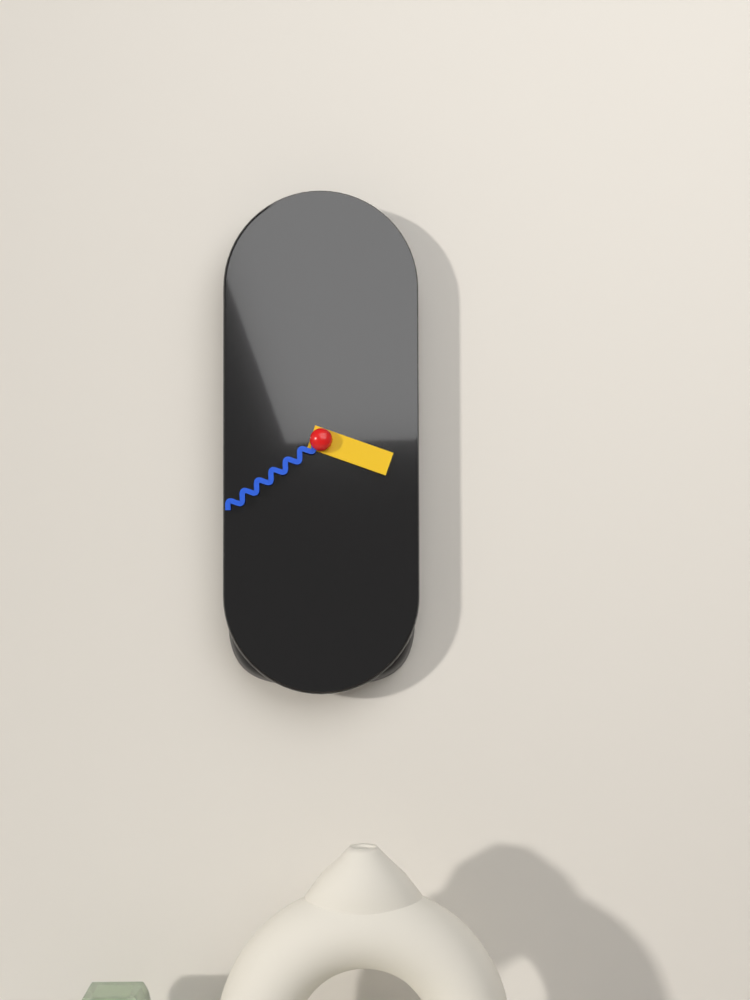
3:39
